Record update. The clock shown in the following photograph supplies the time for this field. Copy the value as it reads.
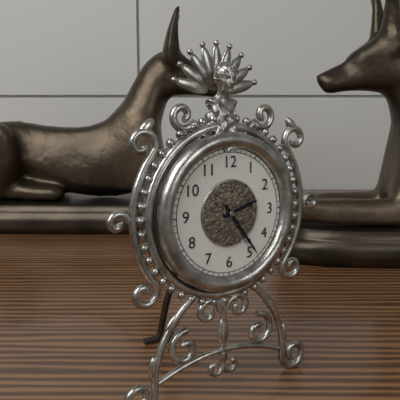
2:24
